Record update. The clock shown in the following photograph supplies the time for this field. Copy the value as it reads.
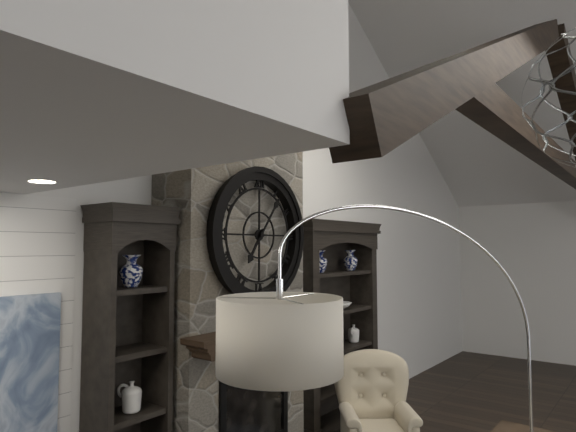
7:06
